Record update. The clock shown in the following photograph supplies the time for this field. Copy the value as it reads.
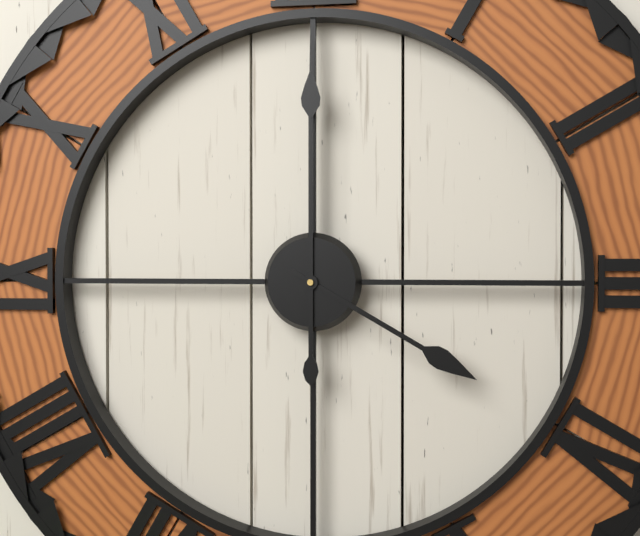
4:00
